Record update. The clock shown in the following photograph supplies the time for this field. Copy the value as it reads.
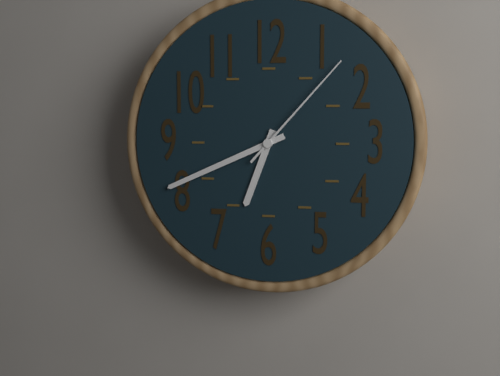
6:41:07
